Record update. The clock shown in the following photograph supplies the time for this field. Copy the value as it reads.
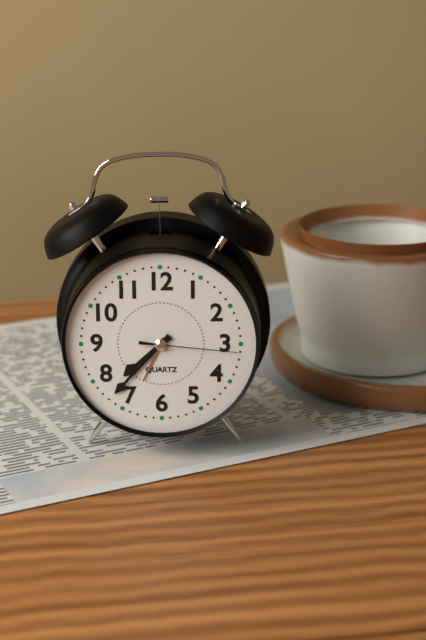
7:37:16
